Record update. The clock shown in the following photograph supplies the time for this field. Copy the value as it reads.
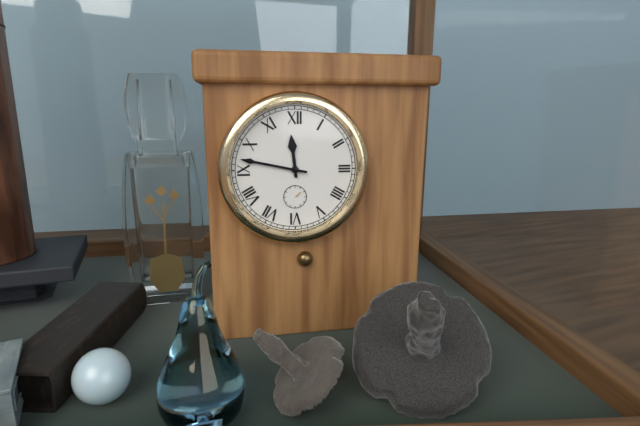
11:47
